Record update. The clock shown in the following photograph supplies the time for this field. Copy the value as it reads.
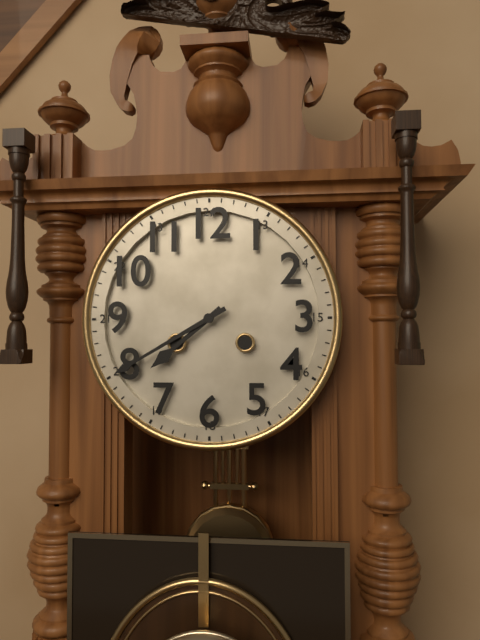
7:40
